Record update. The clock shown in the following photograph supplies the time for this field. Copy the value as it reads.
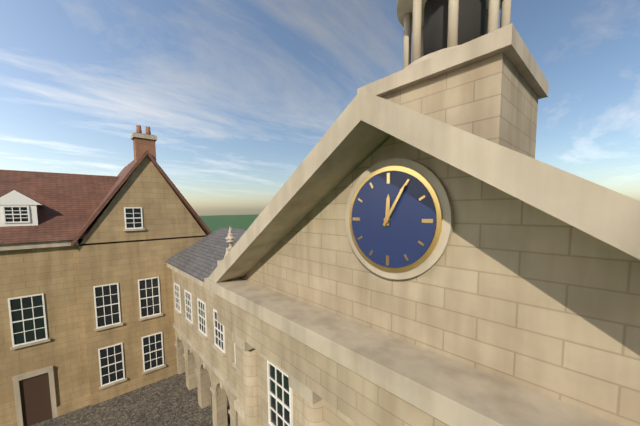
12:05
